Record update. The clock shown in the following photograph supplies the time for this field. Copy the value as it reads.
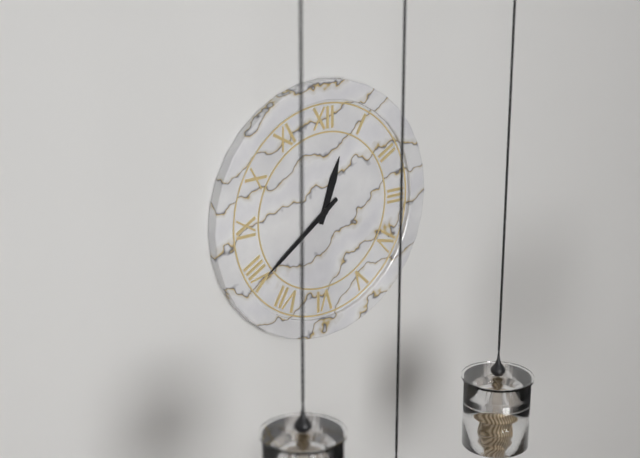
12:39
